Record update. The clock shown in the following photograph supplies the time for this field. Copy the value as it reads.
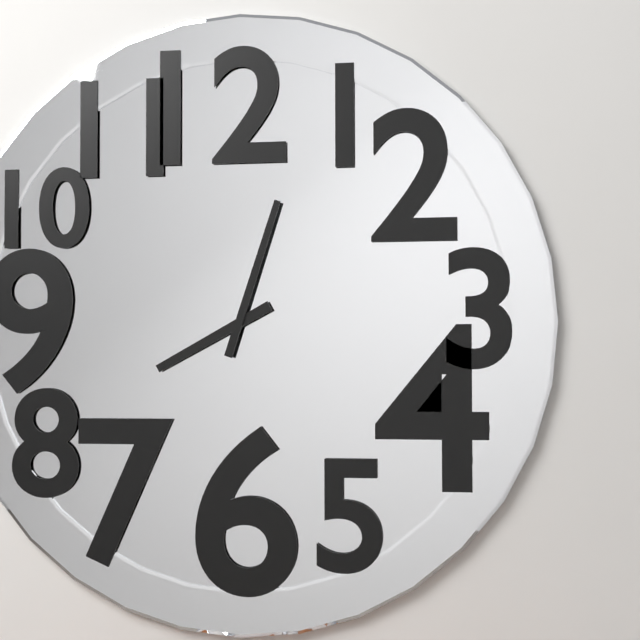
8:03
